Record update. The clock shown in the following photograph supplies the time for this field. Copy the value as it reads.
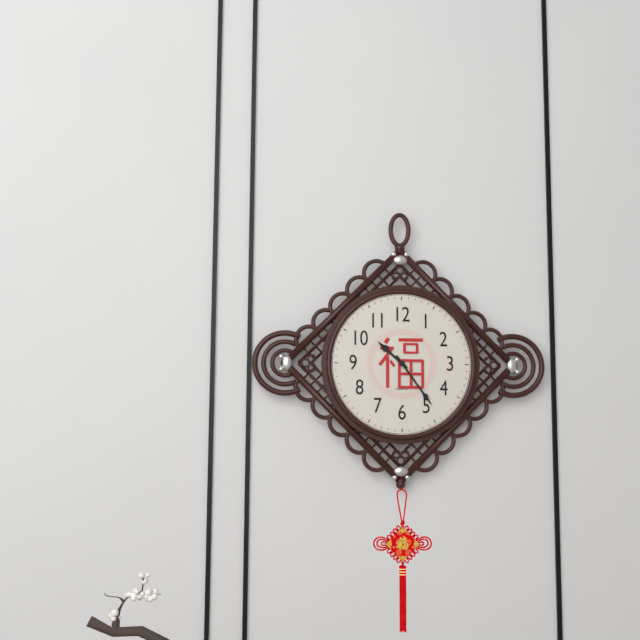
10:24
